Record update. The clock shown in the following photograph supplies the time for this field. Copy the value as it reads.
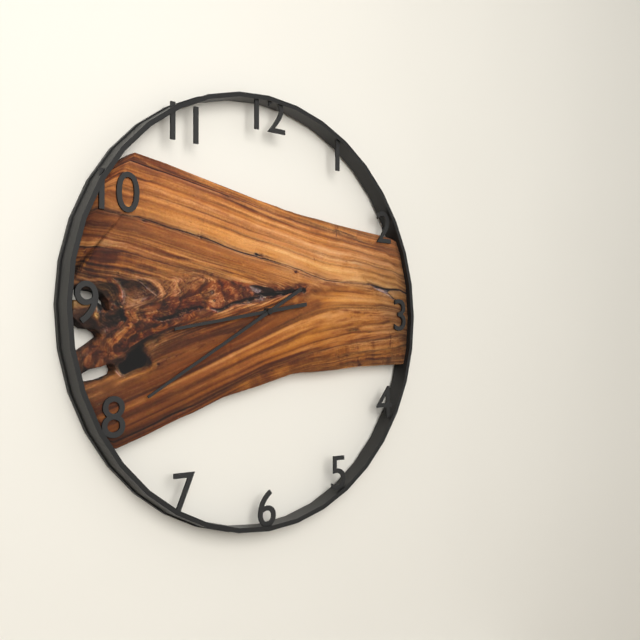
8:40
